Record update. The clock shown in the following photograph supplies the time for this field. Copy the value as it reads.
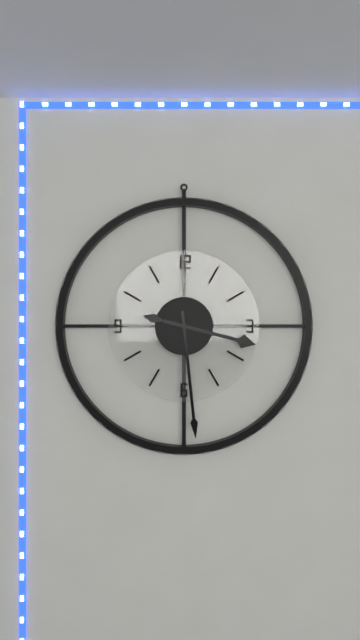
3:29
